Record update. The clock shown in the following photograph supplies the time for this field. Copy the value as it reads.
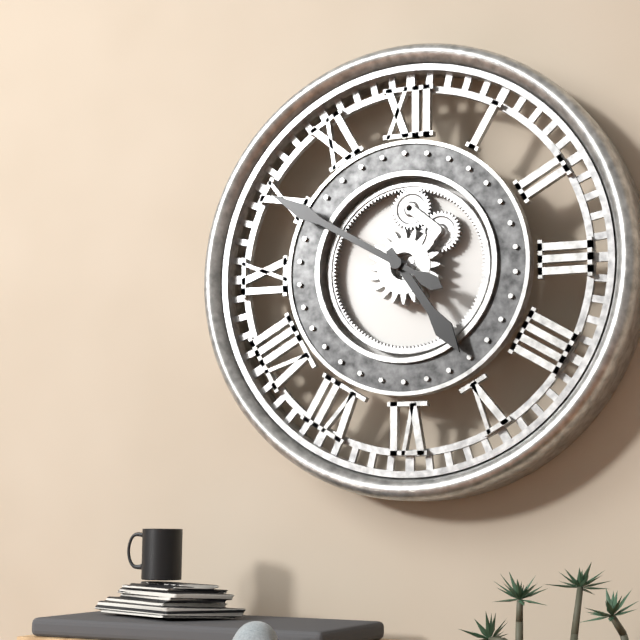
4:50
